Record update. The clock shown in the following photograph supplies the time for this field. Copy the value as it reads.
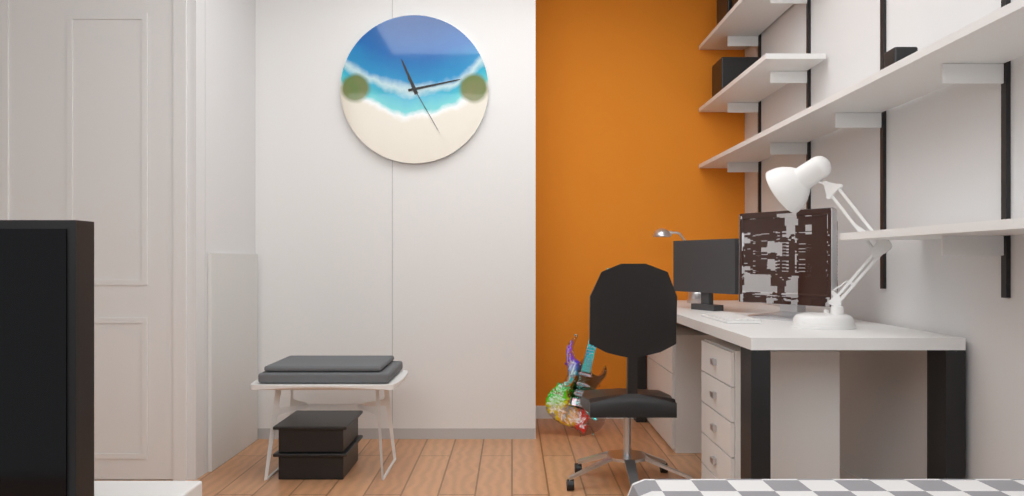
11:13:25
